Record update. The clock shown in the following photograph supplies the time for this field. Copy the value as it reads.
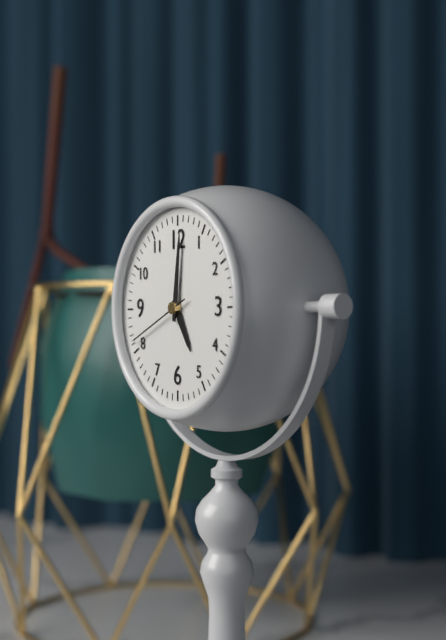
5:01:41
